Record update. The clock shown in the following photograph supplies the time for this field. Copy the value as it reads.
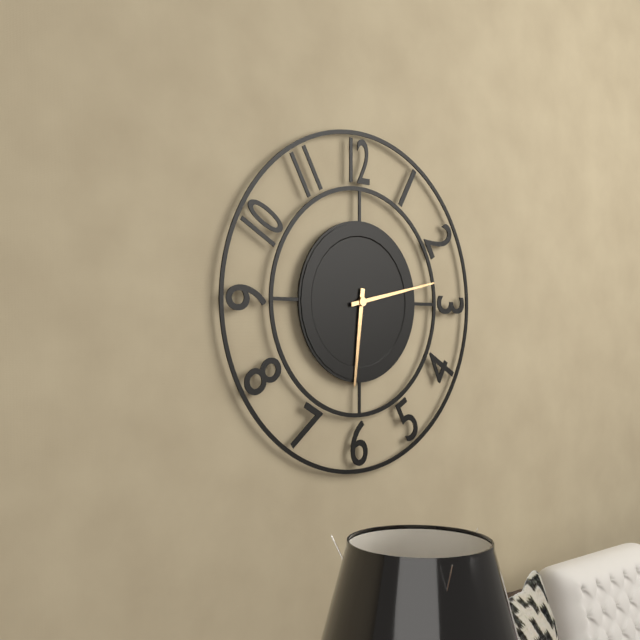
6:13
